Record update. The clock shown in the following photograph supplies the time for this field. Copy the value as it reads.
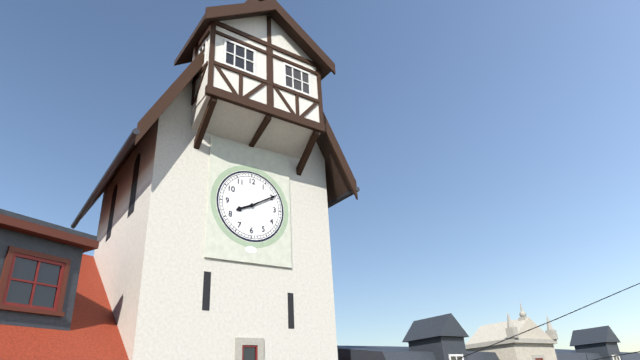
8:10
